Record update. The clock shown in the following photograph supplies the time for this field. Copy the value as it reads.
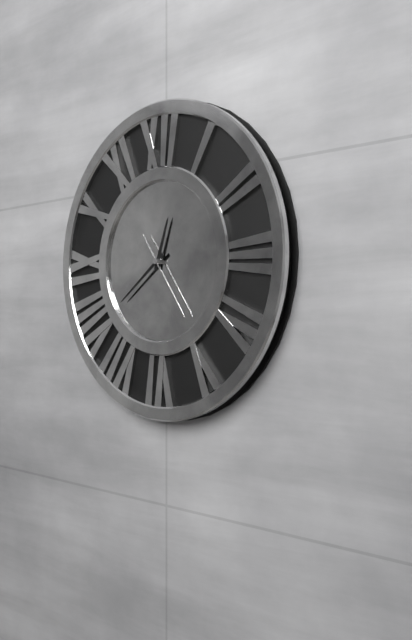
12:39:24
